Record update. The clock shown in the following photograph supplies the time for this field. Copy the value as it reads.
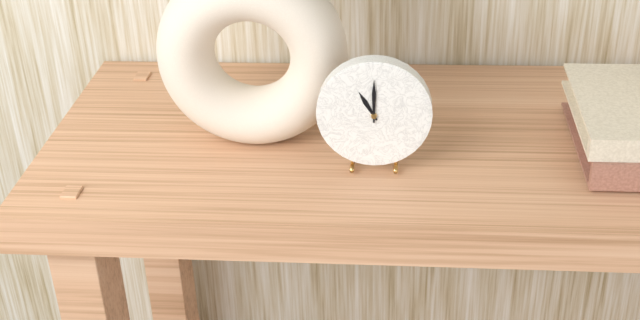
11:00
